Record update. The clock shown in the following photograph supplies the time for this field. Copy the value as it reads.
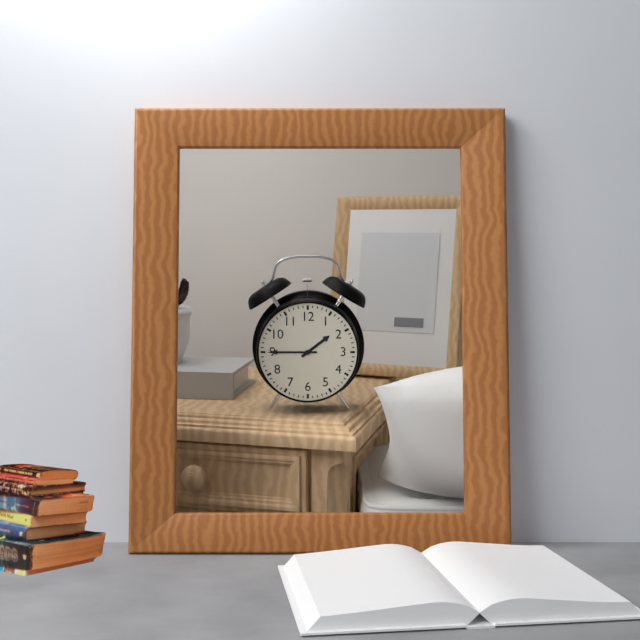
1:45
